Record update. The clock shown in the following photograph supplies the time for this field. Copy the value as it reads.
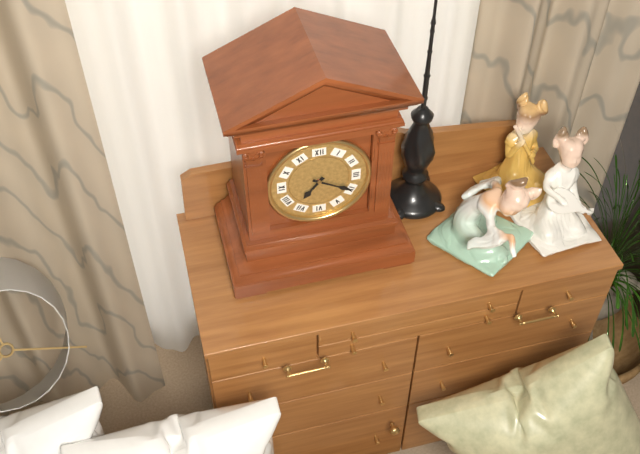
7:20
